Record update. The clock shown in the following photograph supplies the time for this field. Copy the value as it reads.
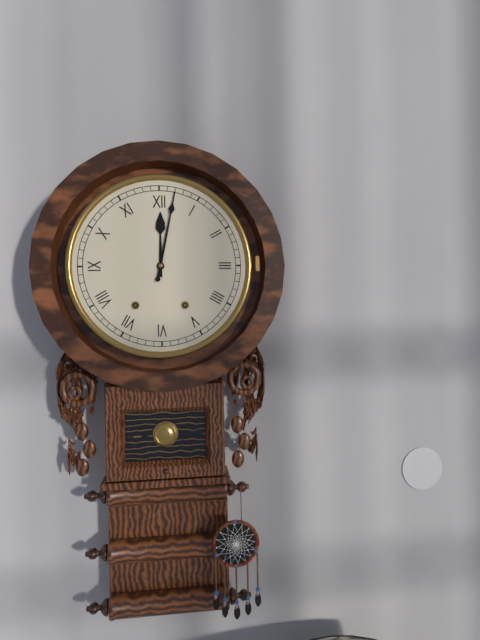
12:02
